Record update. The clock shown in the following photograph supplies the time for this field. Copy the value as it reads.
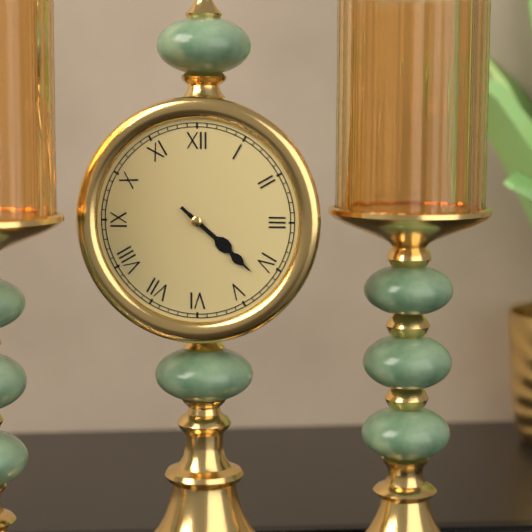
4:22
